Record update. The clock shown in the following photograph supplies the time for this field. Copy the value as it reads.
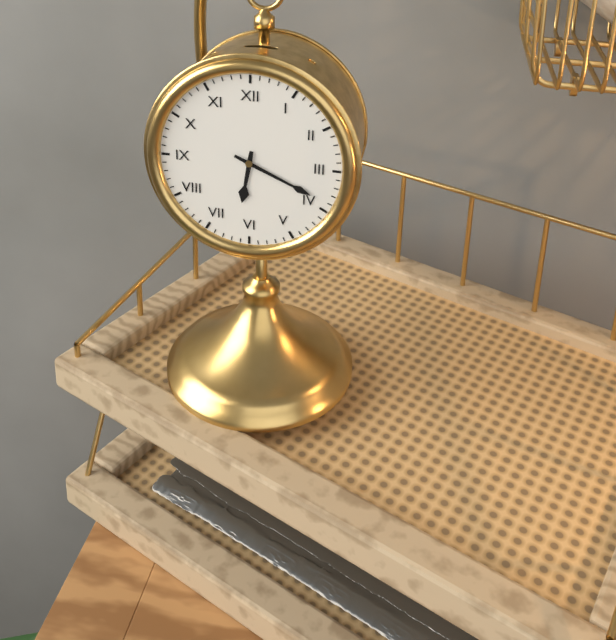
6:19
